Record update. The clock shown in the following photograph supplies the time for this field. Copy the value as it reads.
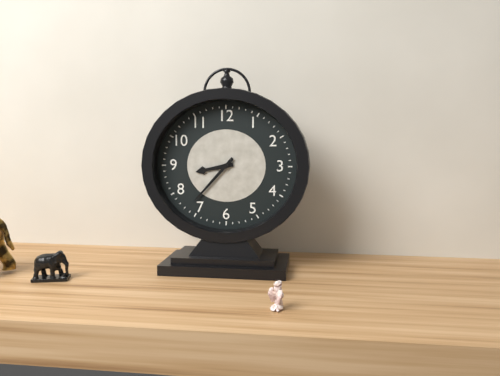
8:37
